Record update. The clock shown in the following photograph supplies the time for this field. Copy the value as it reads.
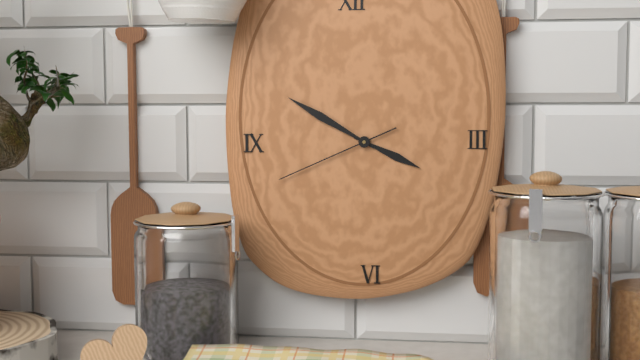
3:50:41
